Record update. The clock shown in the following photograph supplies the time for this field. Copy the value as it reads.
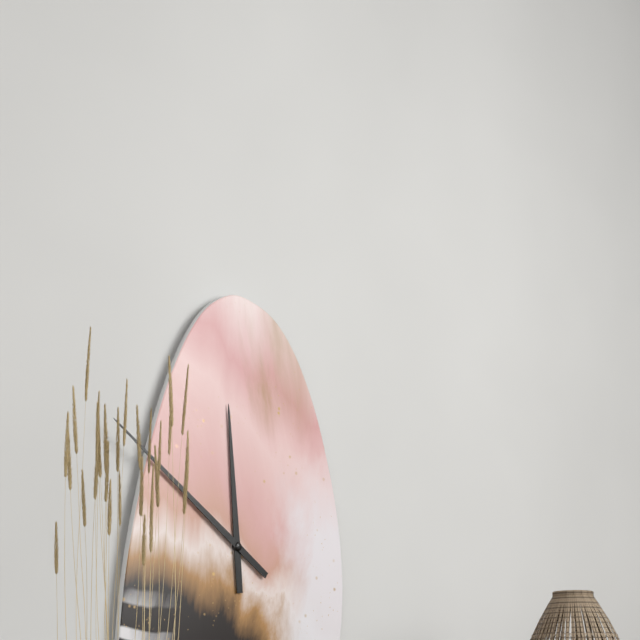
11:51
